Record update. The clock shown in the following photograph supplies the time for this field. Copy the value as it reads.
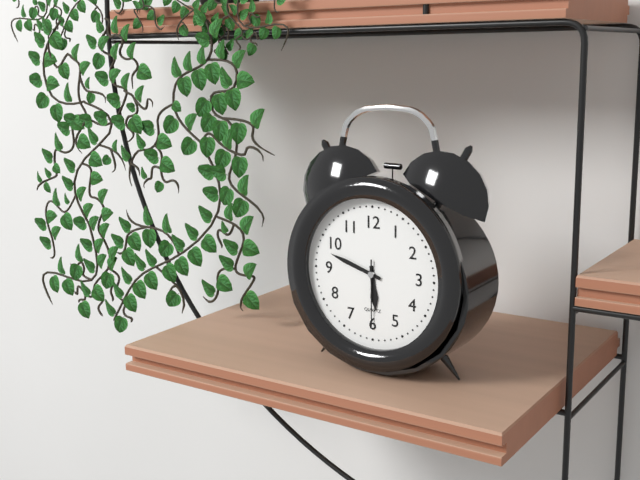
5:48:30
